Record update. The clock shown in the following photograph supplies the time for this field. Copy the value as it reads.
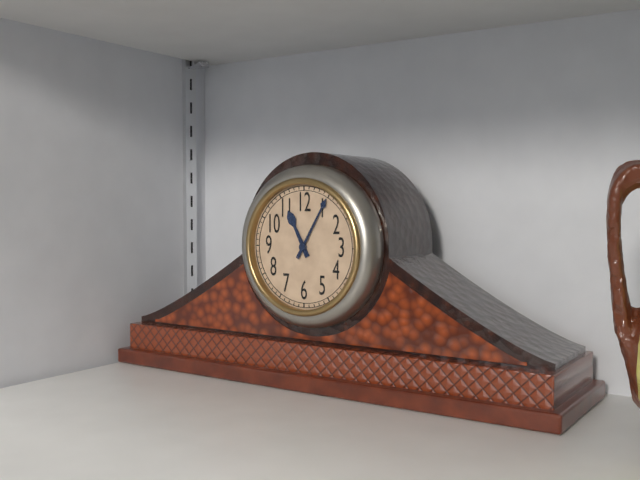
11:05
